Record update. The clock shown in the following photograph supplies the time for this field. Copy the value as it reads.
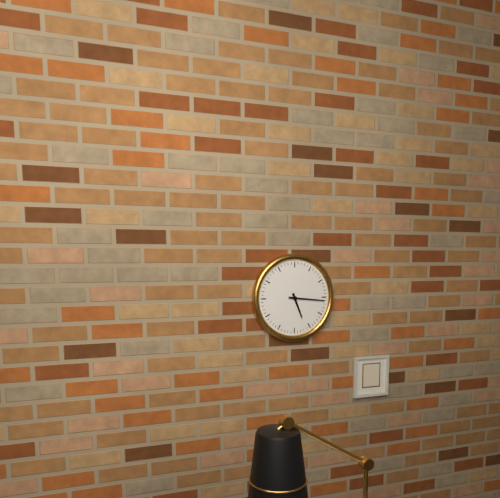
5:16
